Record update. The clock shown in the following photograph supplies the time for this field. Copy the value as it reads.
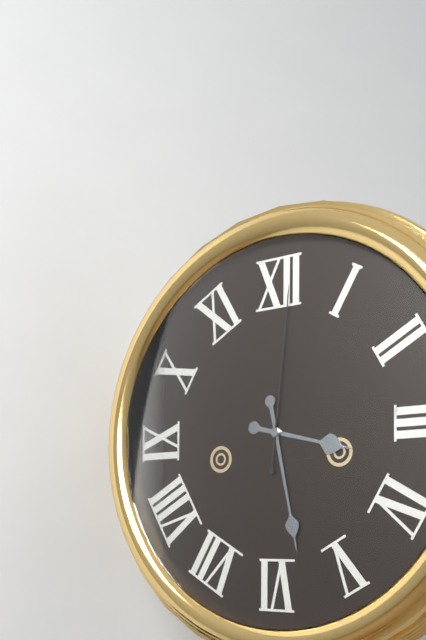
3:28:01
